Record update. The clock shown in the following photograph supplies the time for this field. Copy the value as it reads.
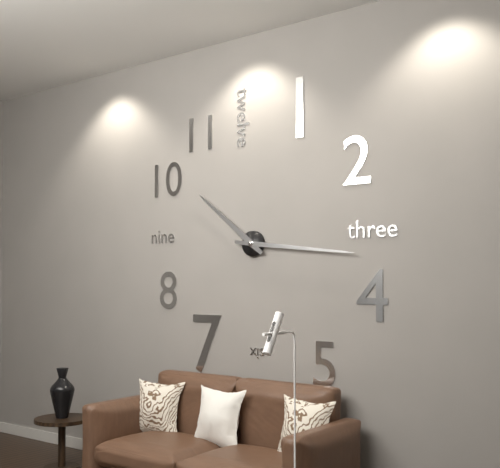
10:16
